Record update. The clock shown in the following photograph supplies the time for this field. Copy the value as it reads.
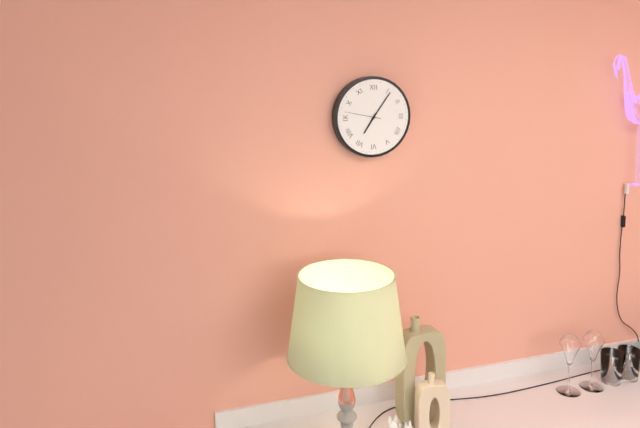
7:06
